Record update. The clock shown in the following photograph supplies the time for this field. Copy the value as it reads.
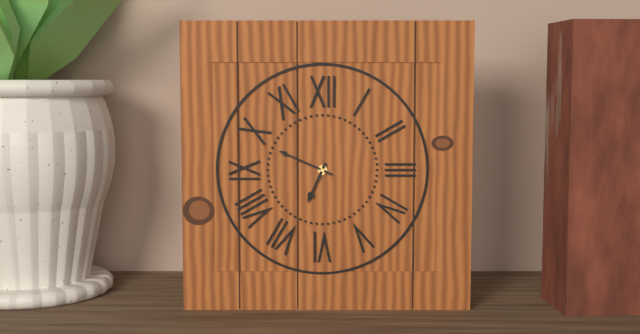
6:49
